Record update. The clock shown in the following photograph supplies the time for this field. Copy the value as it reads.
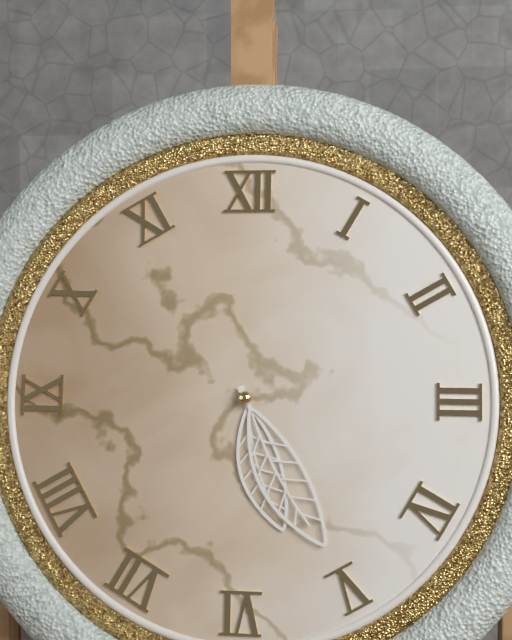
5:25
